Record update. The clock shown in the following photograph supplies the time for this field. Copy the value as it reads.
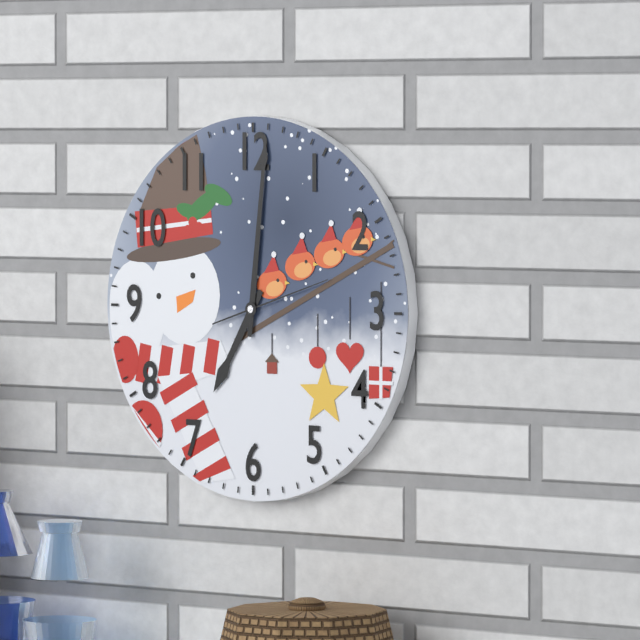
7:01:12
